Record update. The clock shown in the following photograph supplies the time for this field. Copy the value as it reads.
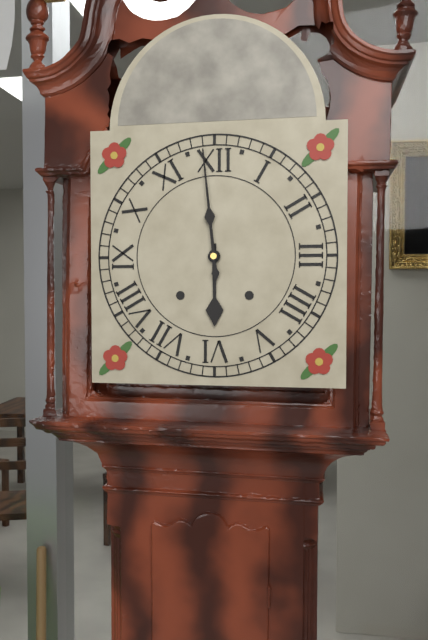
5:59
